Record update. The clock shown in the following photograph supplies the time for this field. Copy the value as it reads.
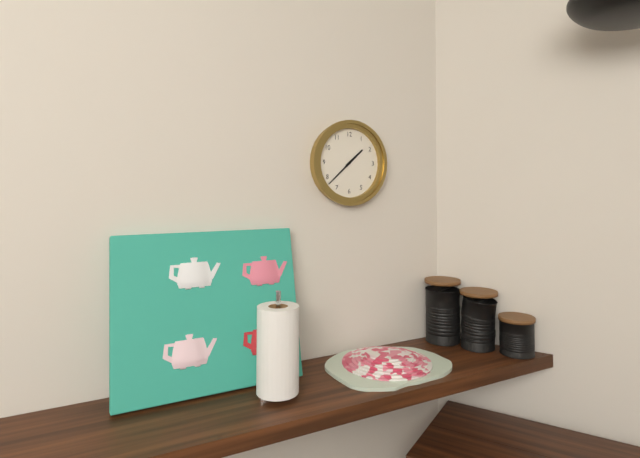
1:38
